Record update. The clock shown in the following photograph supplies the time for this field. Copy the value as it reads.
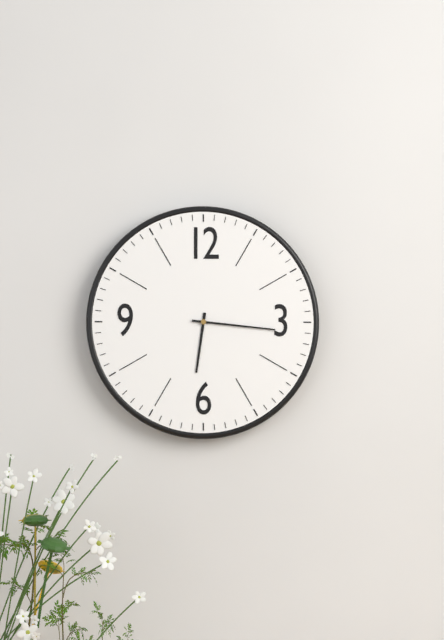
6:16
